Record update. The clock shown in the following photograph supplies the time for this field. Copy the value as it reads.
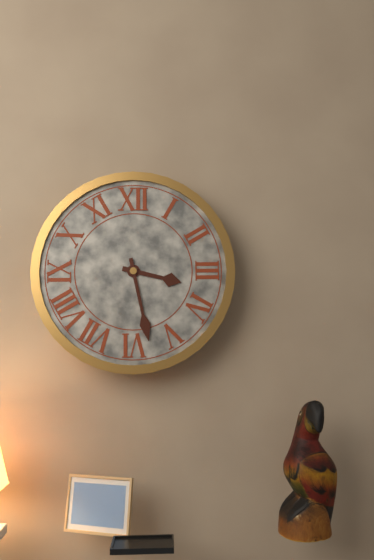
3:28
